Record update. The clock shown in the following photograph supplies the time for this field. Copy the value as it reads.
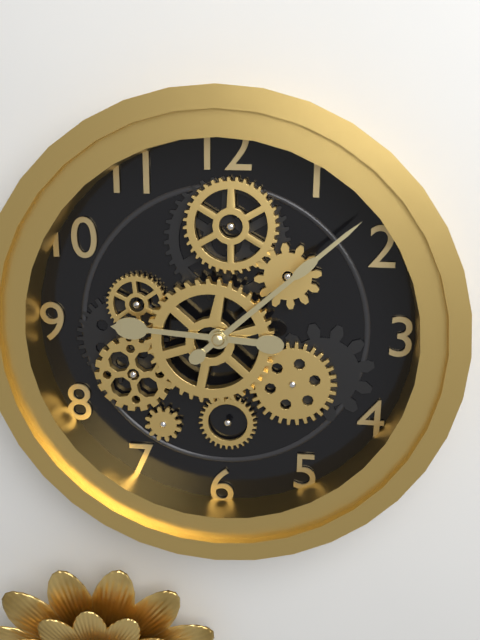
9:08
